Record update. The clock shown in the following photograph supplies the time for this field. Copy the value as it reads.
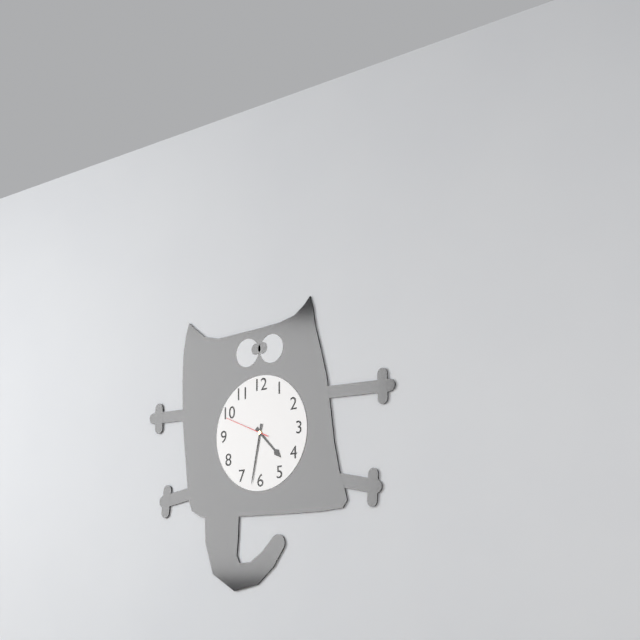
4:32
